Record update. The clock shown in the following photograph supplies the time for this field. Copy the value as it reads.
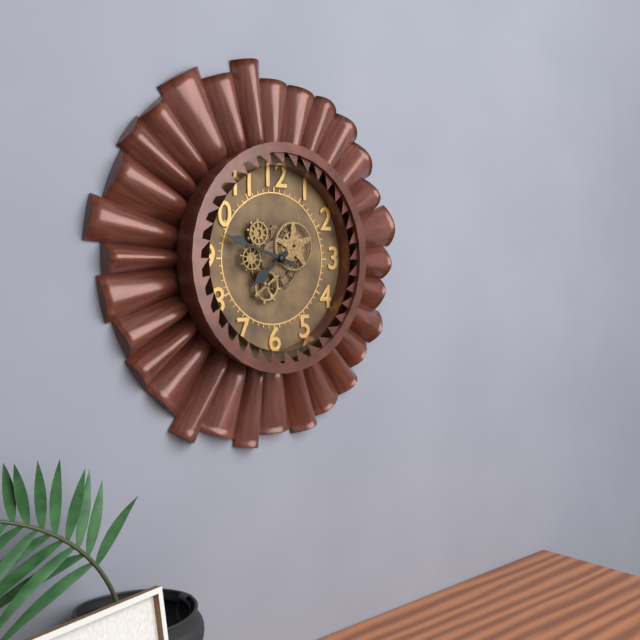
7:48
